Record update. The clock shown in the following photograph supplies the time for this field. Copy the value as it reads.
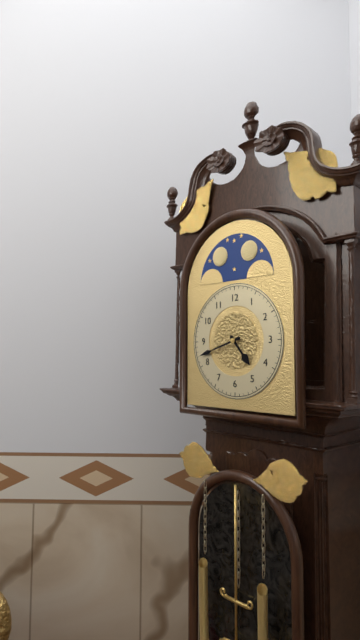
4:42
